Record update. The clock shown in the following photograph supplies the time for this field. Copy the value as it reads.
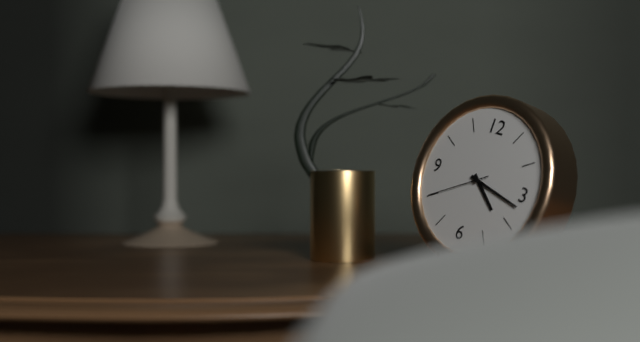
4:17:40
